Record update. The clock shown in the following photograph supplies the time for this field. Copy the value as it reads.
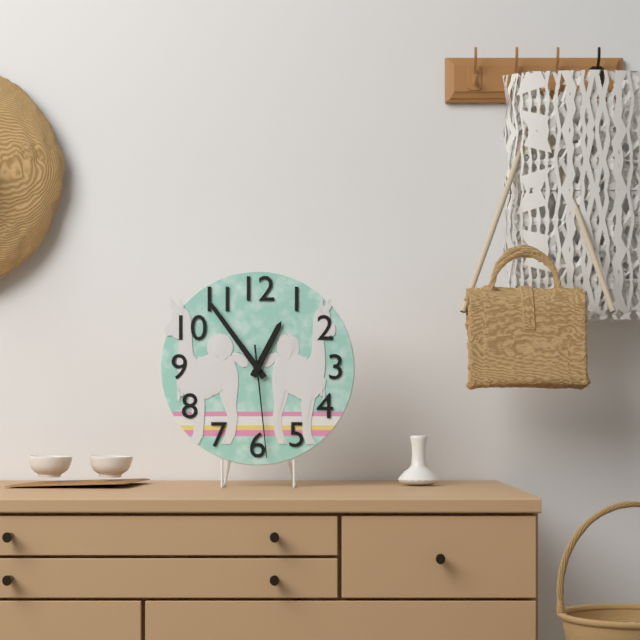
12:54:29
